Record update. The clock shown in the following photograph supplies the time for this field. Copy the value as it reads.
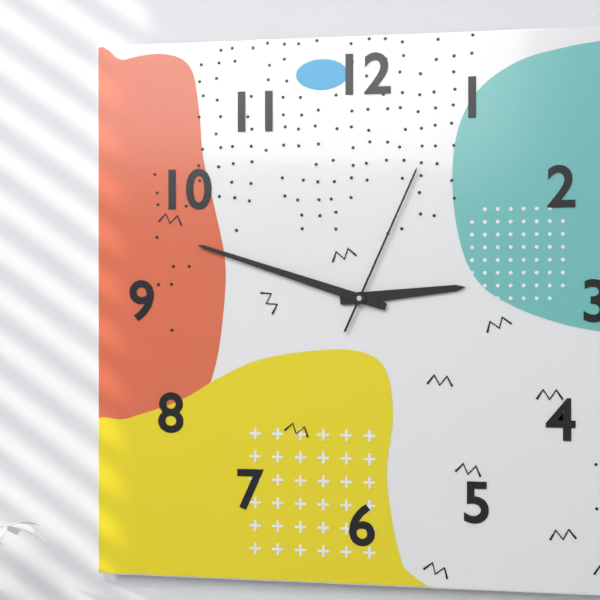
2:48:04
